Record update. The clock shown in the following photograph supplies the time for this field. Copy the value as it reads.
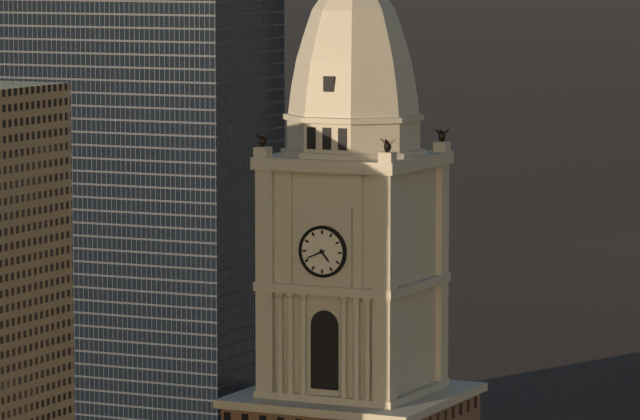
4:41
